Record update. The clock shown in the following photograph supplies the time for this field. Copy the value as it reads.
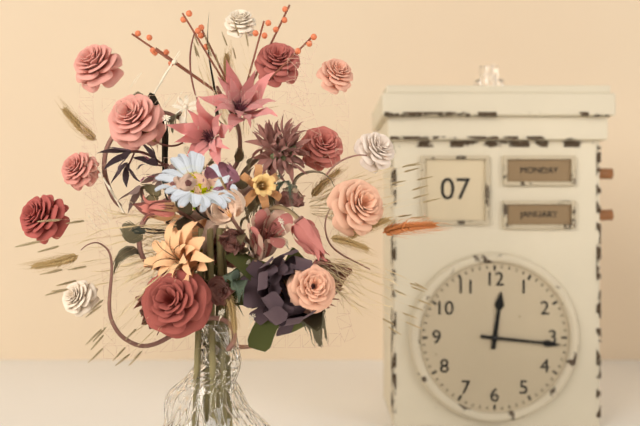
12:16
